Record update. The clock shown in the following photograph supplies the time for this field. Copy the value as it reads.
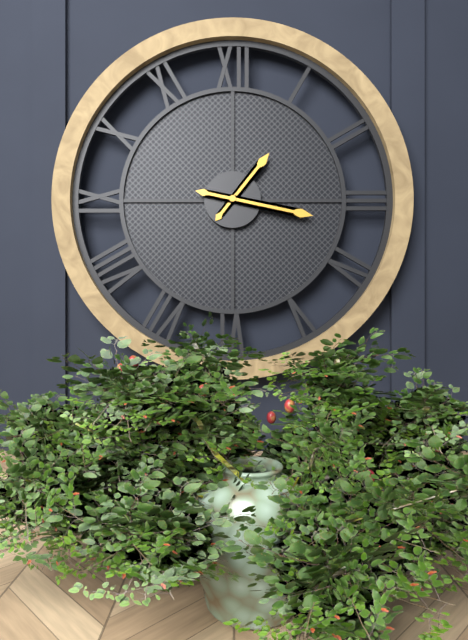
1:17
